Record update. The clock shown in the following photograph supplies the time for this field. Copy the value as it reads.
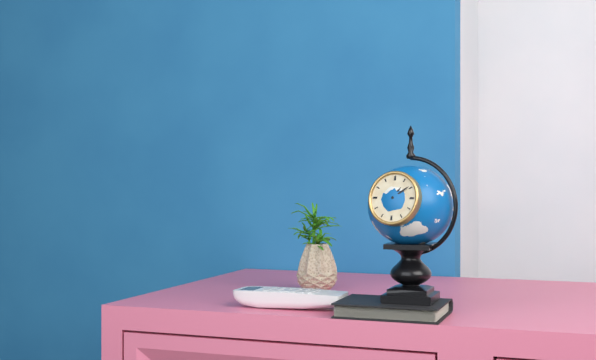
1:09
